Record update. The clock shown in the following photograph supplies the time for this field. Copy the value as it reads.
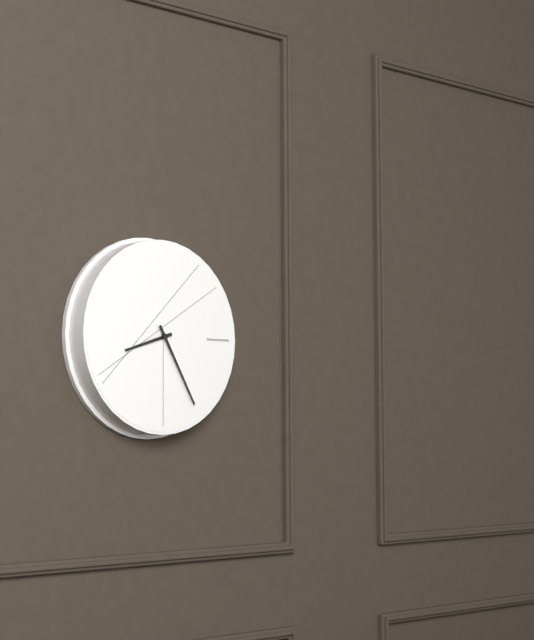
8:25
